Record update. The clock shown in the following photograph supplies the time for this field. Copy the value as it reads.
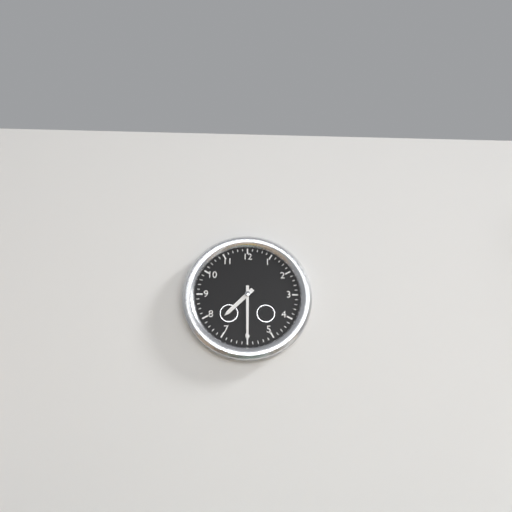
7:30
